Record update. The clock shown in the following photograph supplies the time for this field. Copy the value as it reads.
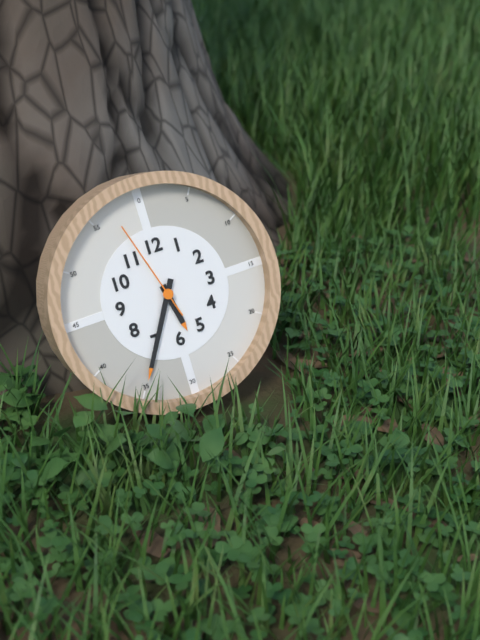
5:35:57
